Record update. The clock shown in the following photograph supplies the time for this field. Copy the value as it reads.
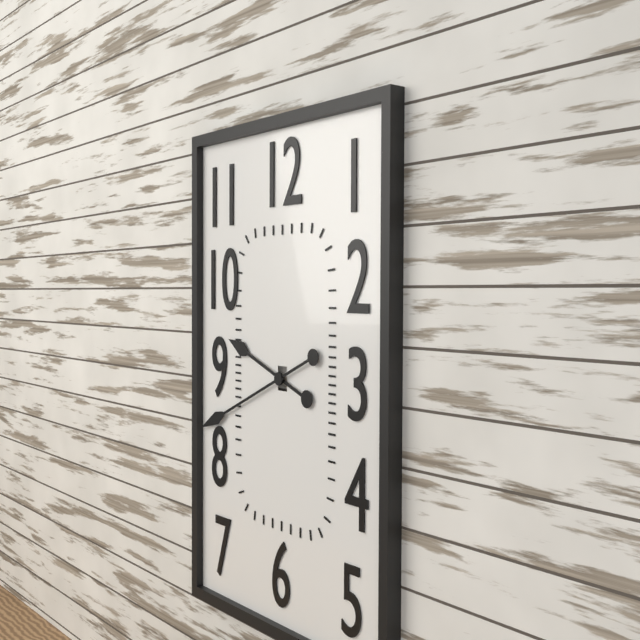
9:41
